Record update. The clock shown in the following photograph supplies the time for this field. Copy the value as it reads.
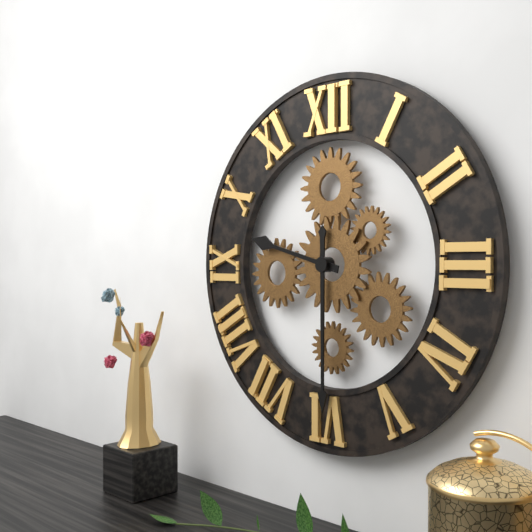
9:30
